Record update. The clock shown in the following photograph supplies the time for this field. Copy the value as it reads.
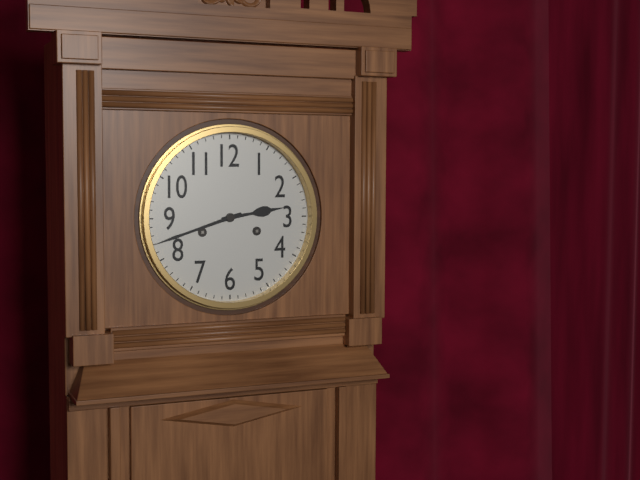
2:42
